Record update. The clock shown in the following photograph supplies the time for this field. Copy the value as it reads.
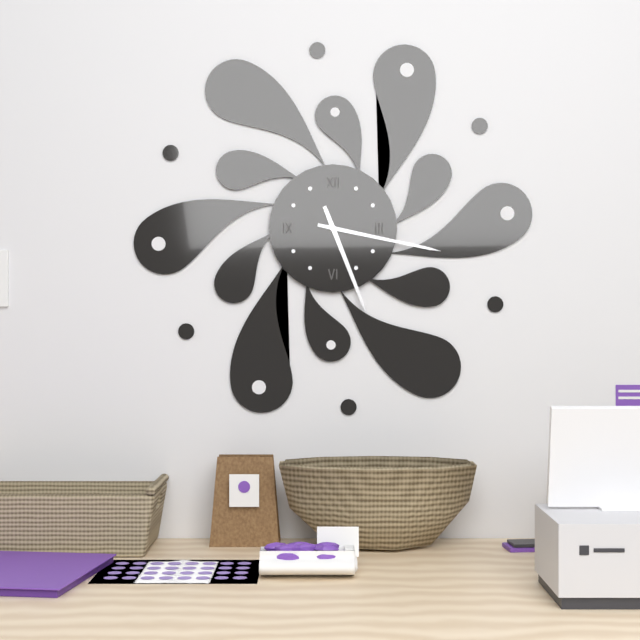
5:17
